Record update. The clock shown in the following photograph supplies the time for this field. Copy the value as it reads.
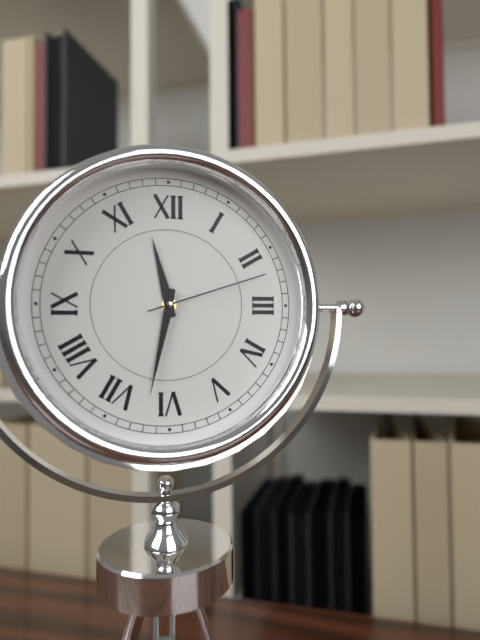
11:32:12
